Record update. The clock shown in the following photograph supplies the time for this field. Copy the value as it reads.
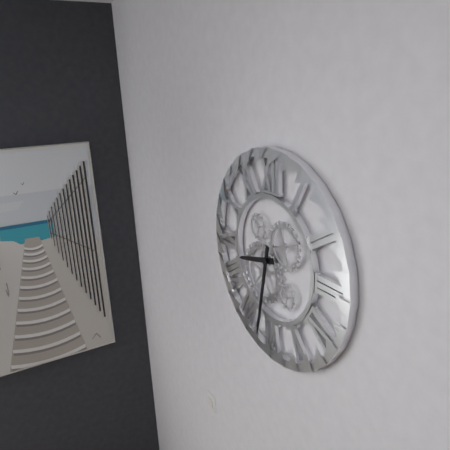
8:32
